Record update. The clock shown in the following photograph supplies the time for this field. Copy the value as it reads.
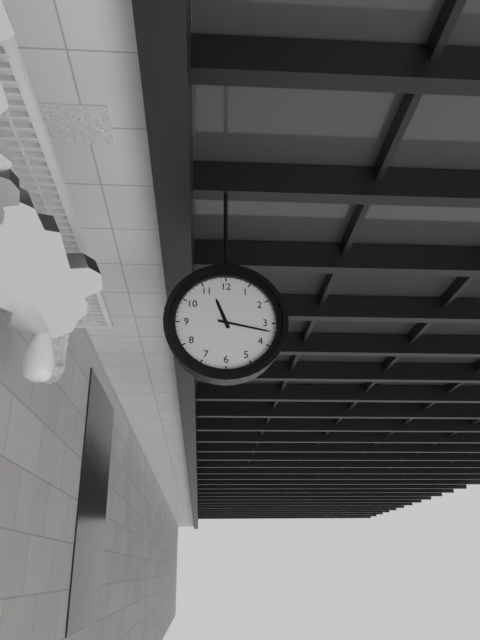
11:17
